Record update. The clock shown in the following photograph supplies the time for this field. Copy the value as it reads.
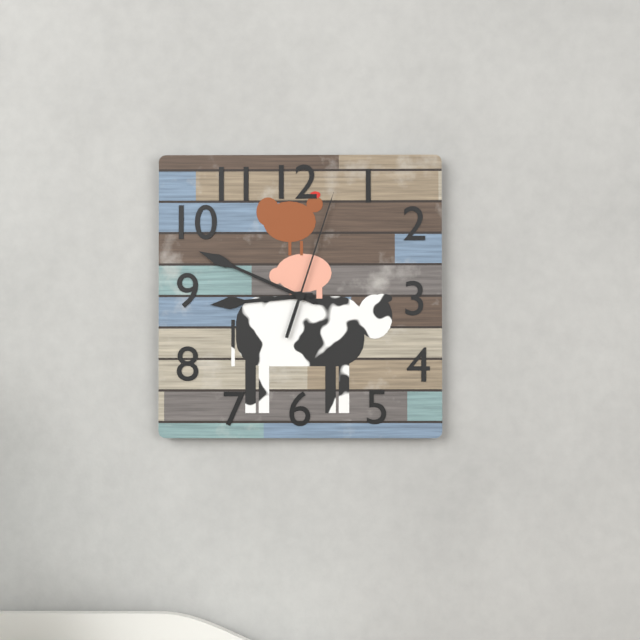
8:49:03
